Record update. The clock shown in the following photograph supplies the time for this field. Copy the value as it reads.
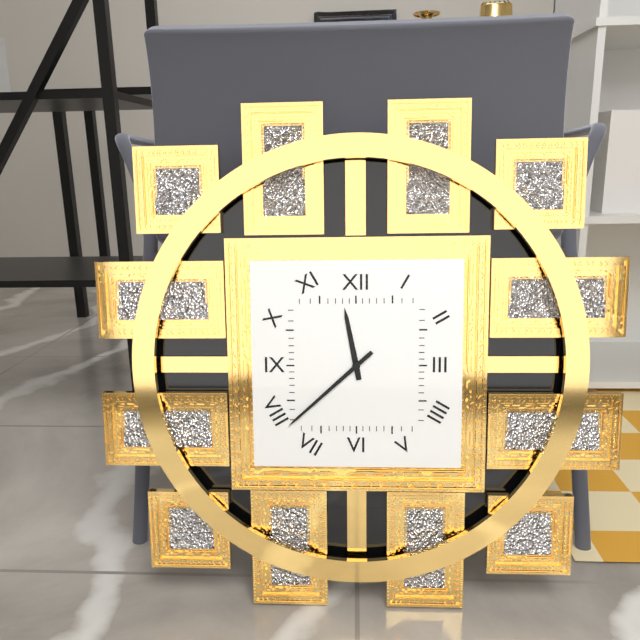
11:38
